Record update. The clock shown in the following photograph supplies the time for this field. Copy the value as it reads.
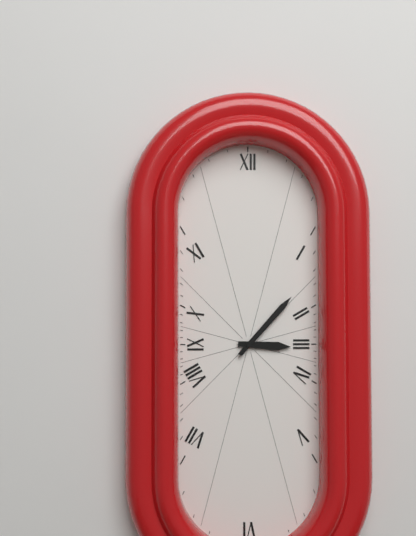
3:07
